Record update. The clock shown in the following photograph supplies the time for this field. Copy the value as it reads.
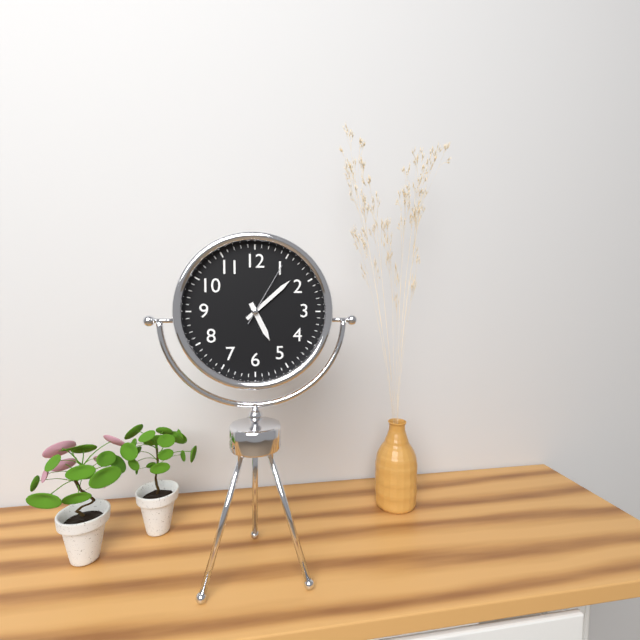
5:08:05
